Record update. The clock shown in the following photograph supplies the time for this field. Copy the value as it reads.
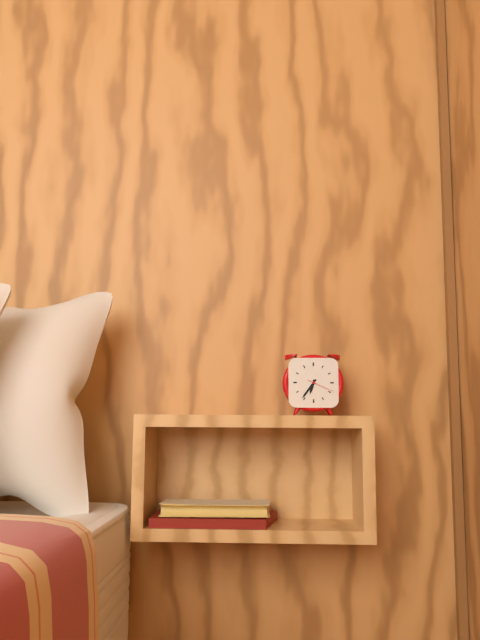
6:36
